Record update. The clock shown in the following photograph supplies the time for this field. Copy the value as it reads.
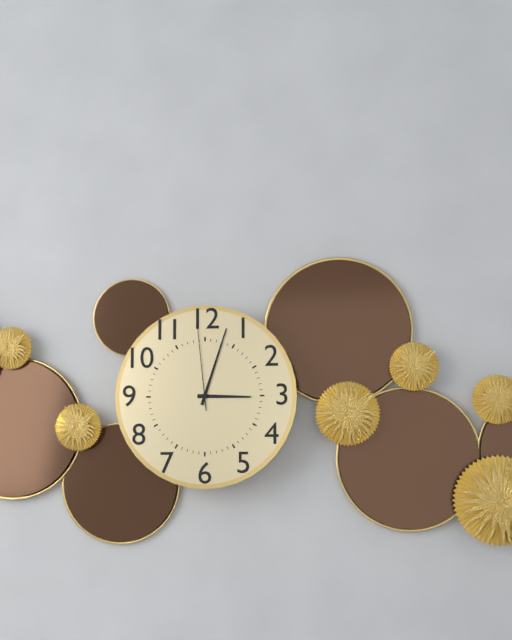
3:03:59
